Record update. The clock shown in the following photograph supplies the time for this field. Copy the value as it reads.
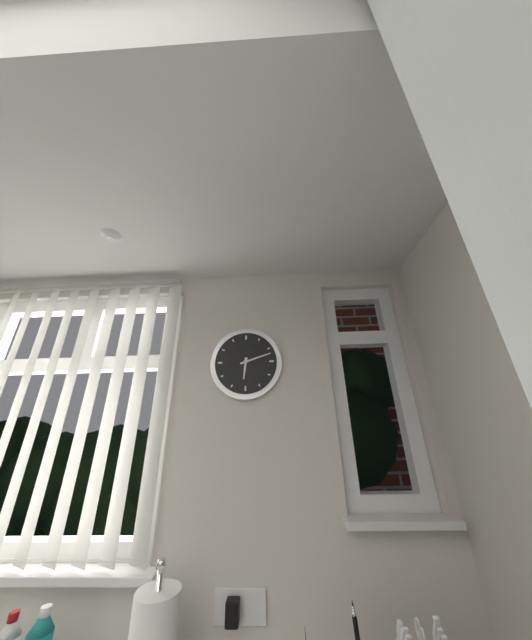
6:12
